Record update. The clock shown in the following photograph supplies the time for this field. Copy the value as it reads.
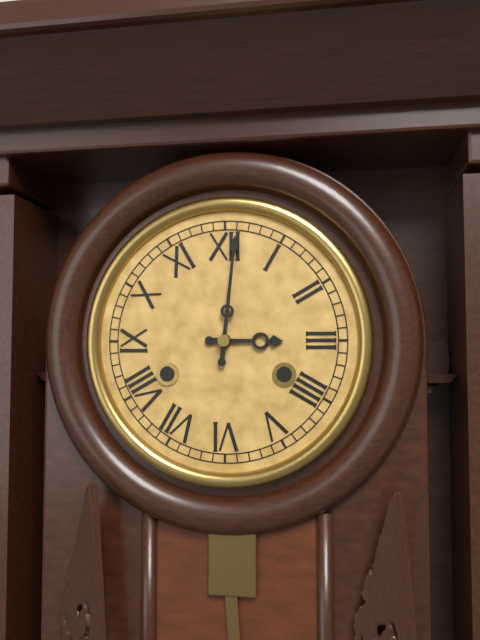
3:01
